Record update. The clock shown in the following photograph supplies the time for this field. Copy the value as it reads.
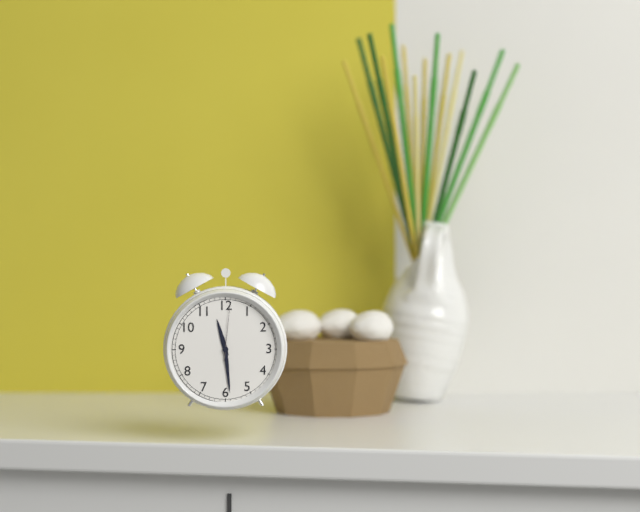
11:29:01
